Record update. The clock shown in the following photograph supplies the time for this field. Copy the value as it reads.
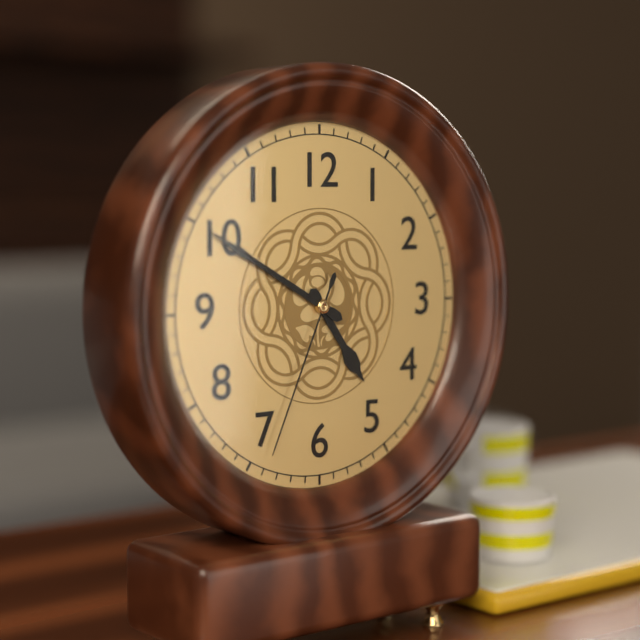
4:50:34
